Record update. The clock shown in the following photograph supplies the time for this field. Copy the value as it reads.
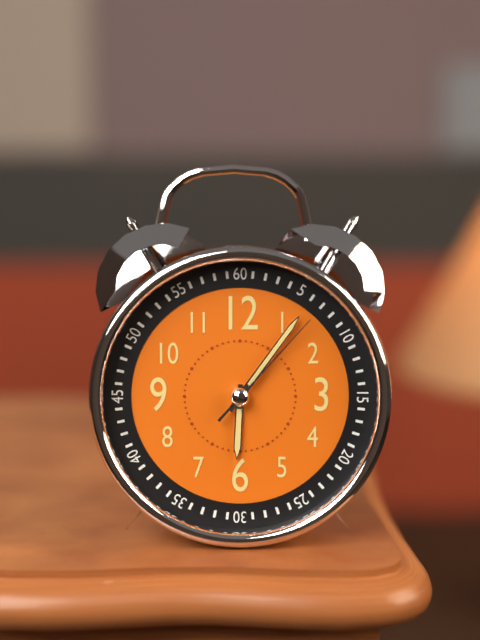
6:06:07
